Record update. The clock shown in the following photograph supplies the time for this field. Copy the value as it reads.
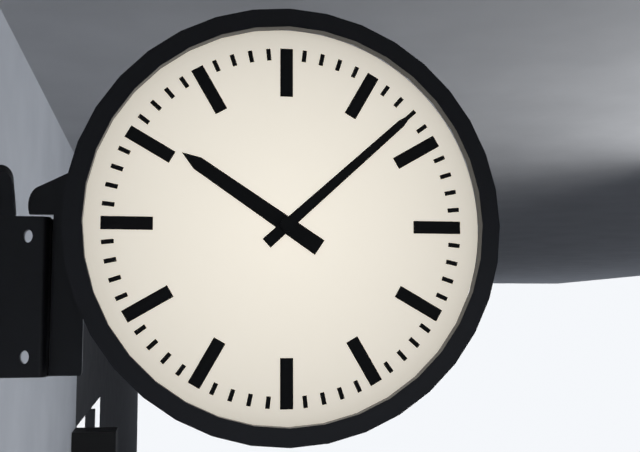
10:08
